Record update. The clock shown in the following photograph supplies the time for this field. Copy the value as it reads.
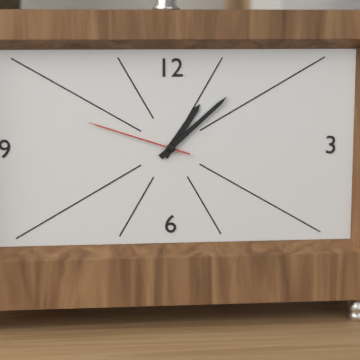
1:08:48
